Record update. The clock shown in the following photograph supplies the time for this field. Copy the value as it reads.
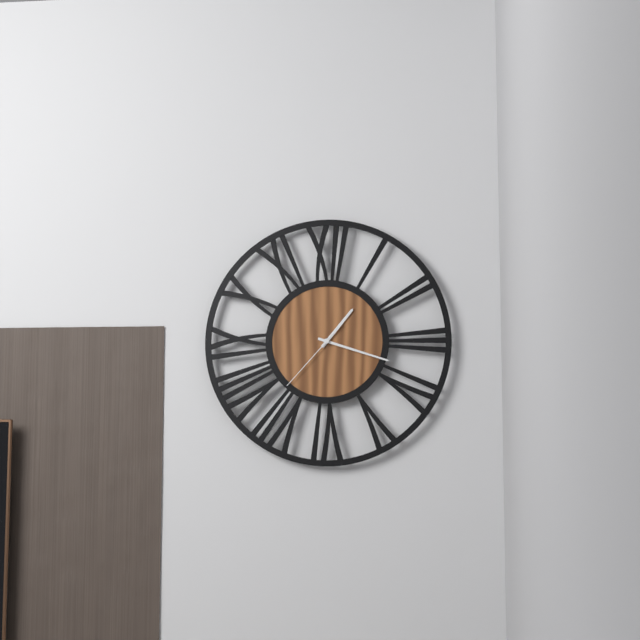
1:18:37
